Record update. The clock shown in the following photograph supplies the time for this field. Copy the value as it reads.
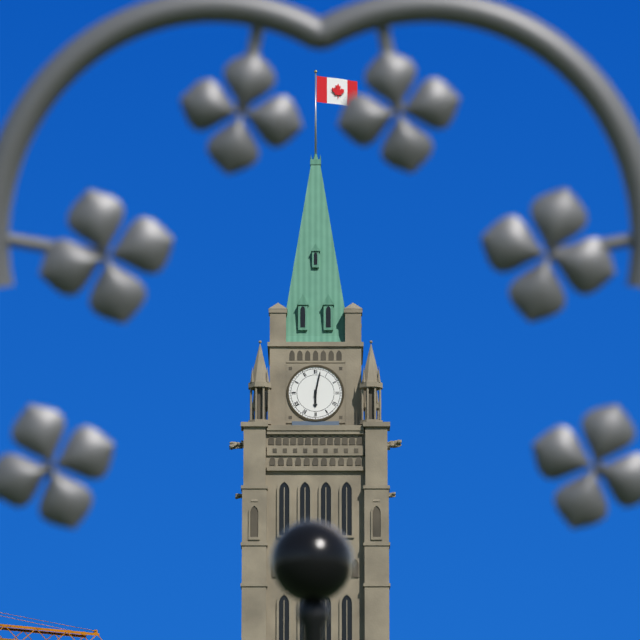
6:02
